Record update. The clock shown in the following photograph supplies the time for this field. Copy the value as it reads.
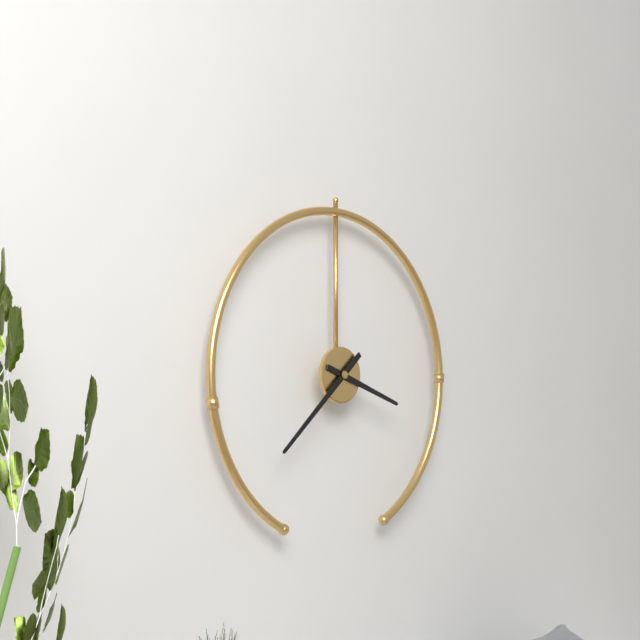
3:38
